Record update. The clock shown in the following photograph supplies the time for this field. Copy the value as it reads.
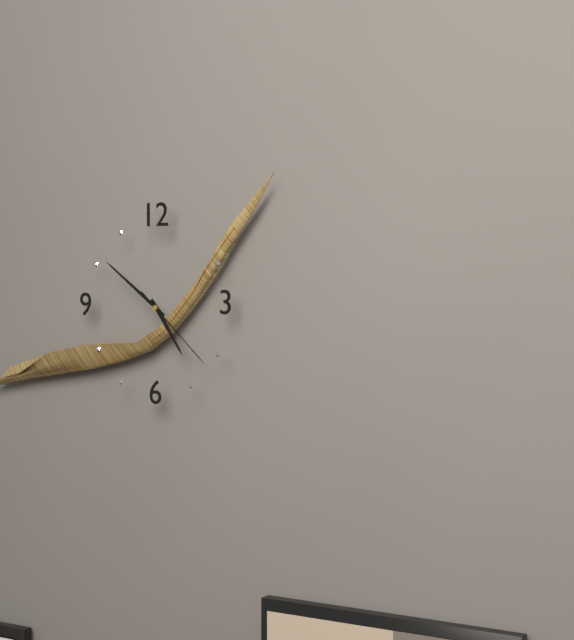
4:51:22
